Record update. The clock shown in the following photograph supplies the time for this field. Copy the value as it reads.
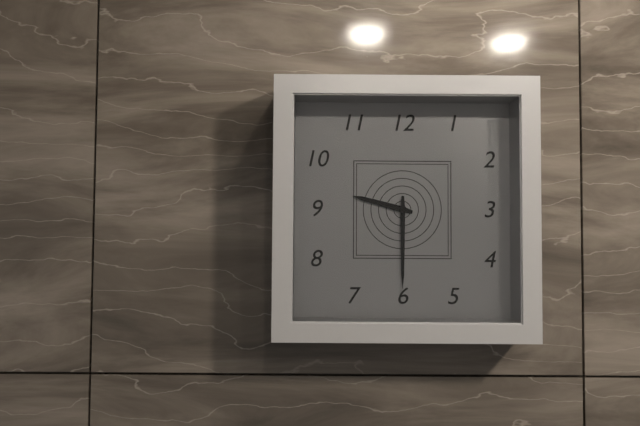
9:30
